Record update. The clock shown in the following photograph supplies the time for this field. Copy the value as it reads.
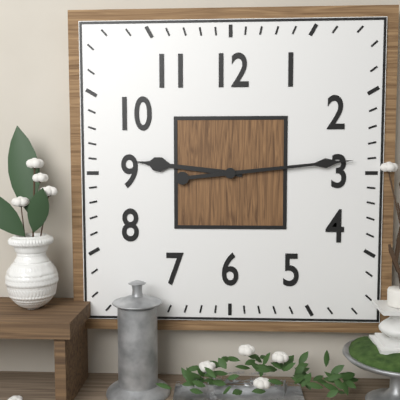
9:14
